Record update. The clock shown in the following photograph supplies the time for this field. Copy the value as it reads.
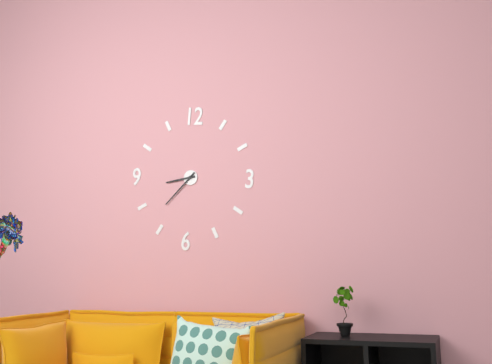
8:37
